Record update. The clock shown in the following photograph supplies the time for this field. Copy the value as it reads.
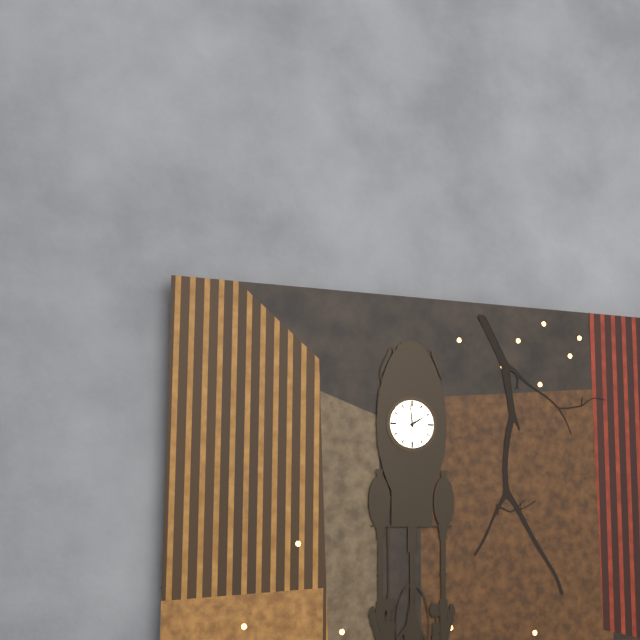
1:59
